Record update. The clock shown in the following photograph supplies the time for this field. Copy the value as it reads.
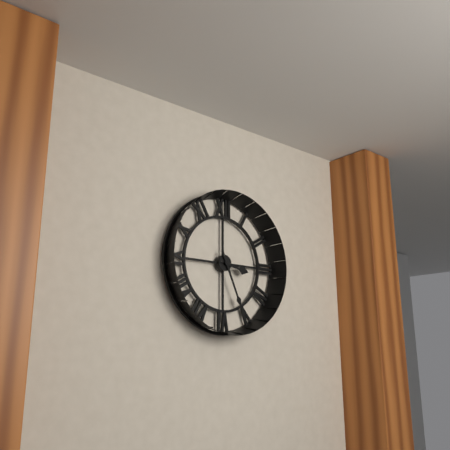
3:26
